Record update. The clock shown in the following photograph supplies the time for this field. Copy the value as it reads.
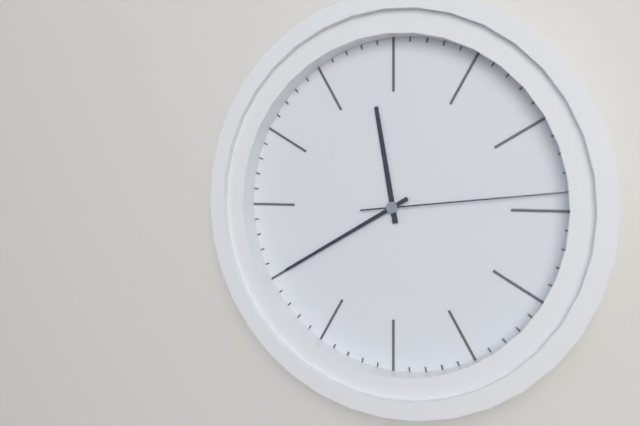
11:40:14
